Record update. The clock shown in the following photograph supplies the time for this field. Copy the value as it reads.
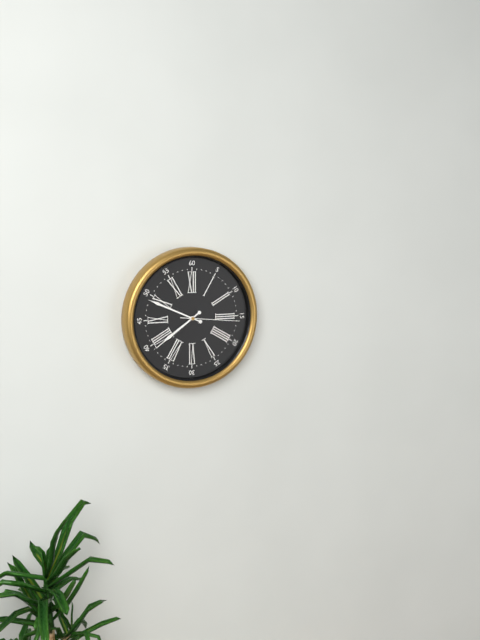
7:49:16
